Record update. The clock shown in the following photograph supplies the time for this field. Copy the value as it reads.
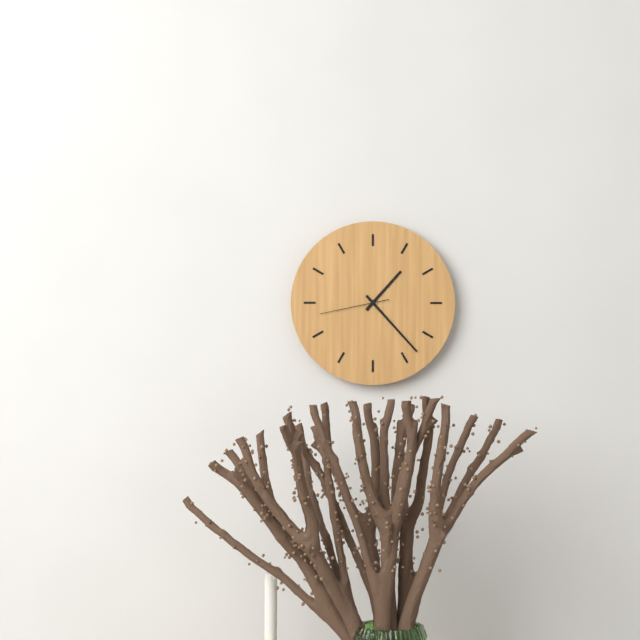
1:23:43
